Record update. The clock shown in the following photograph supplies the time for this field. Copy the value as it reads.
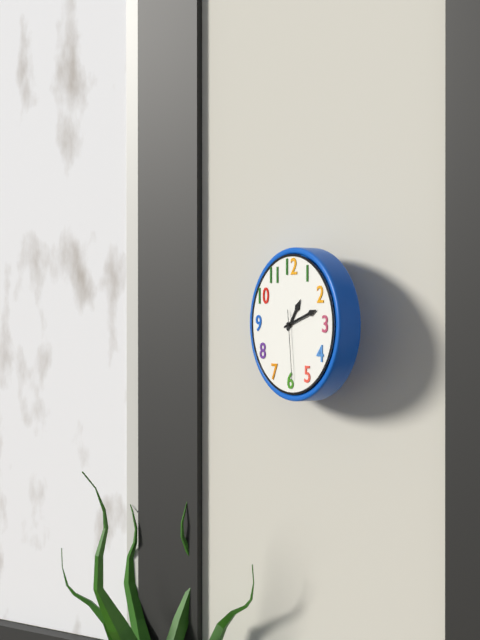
1:12:29
